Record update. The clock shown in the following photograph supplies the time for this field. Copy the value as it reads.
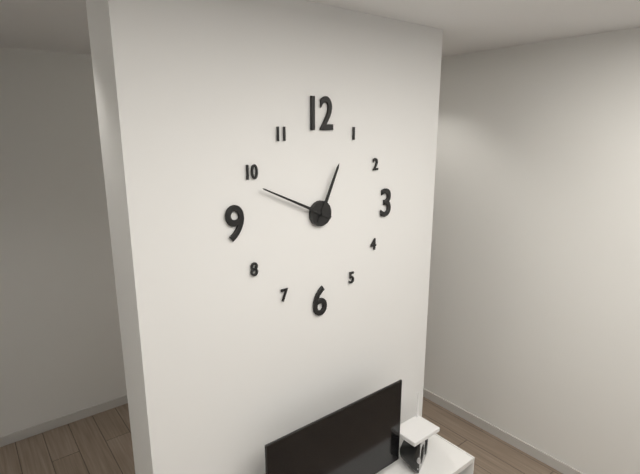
12:49
